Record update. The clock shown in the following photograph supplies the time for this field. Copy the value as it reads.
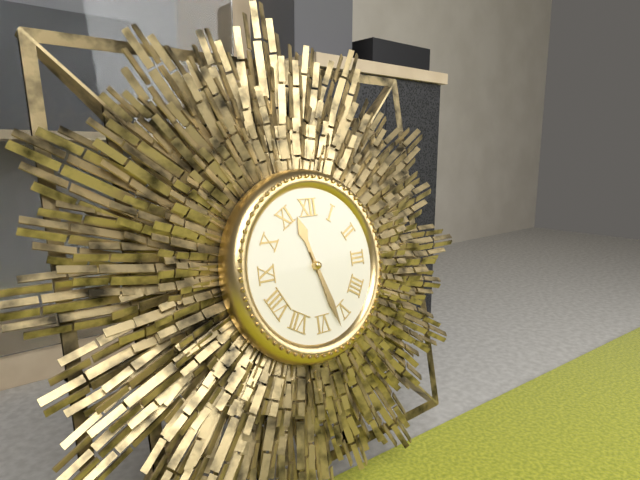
11:27
